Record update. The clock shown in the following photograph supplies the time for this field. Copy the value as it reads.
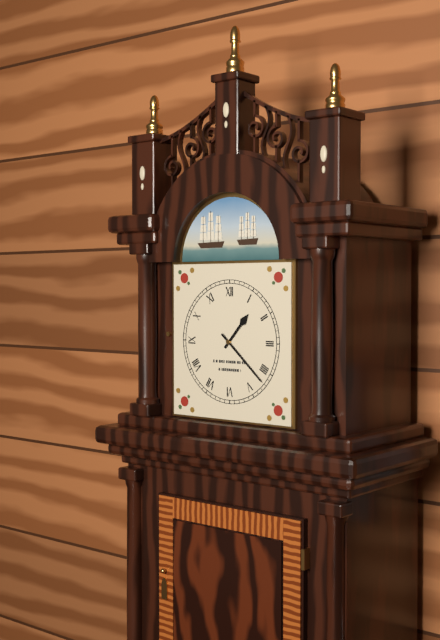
1:22
